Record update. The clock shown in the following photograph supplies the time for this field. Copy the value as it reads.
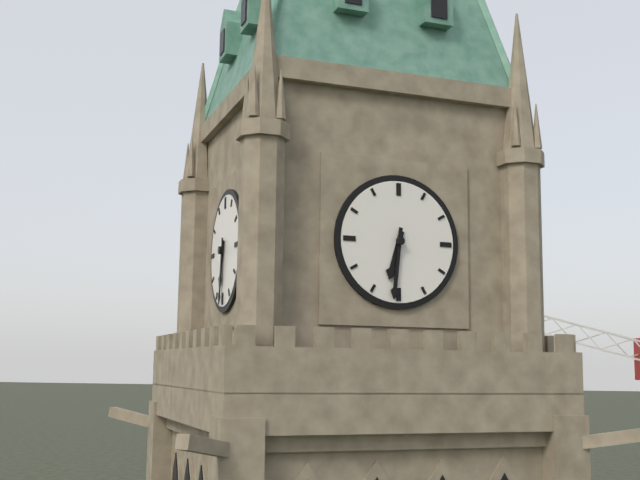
6:31
